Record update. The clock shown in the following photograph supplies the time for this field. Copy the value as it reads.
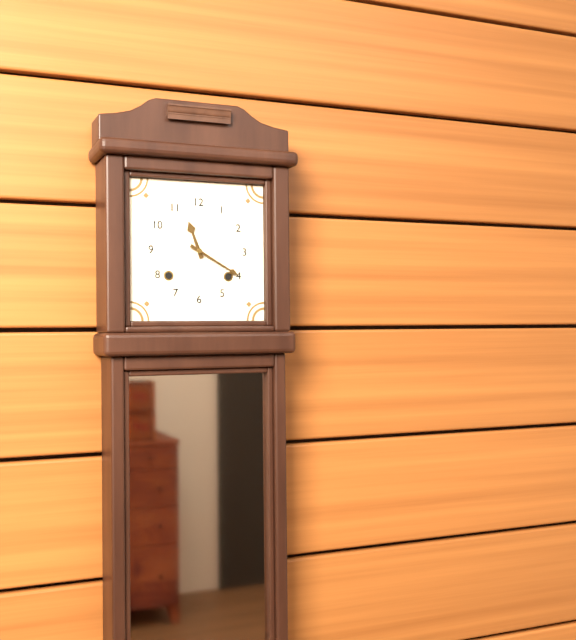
11:20
